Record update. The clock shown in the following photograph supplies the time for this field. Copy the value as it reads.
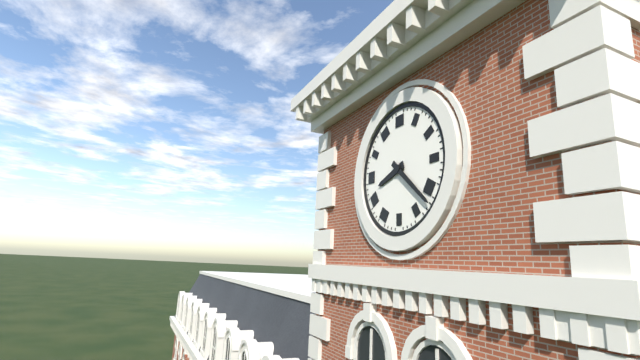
8:22
